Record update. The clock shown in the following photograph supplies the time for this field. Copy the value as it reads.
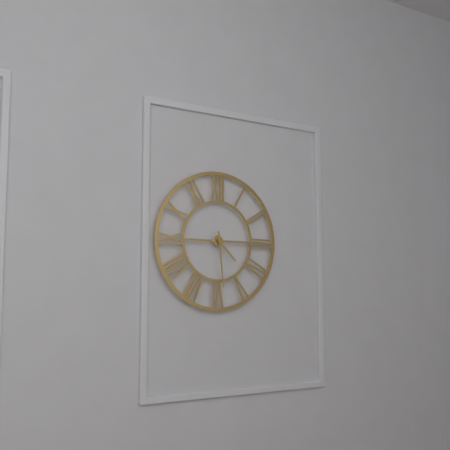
4:29
